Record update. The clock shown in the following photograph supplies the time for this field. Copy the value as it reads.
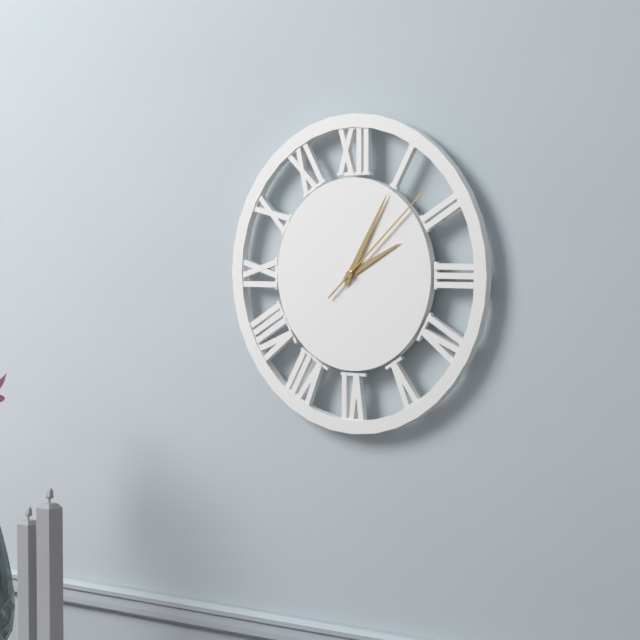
2:05:08
